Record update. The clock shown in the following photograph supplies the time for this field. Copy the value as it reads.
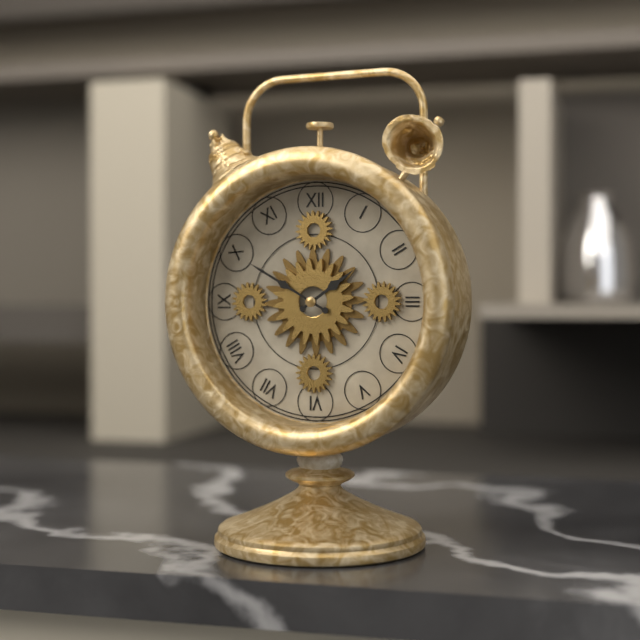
1:50
